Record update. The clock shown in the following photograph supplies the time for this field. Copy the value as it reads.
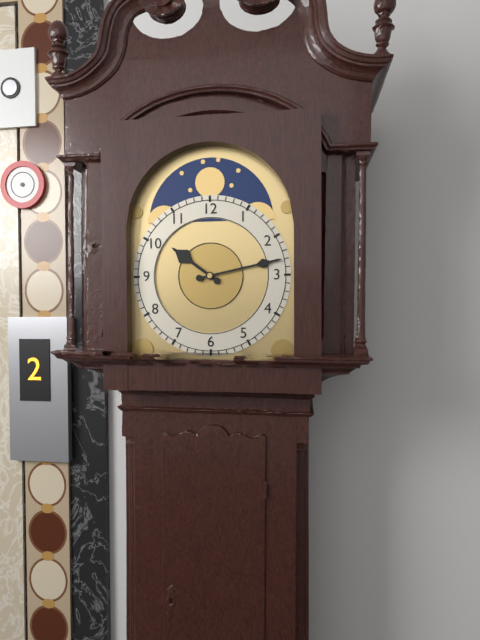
10:13
